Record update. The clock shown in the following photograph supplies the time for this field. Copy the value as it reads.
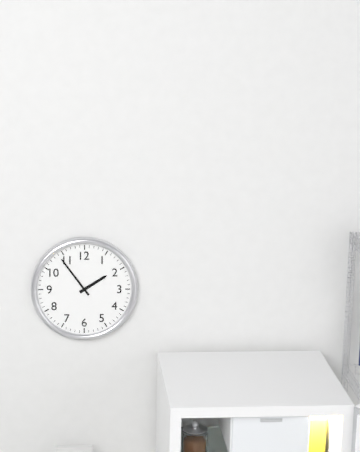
1:54
